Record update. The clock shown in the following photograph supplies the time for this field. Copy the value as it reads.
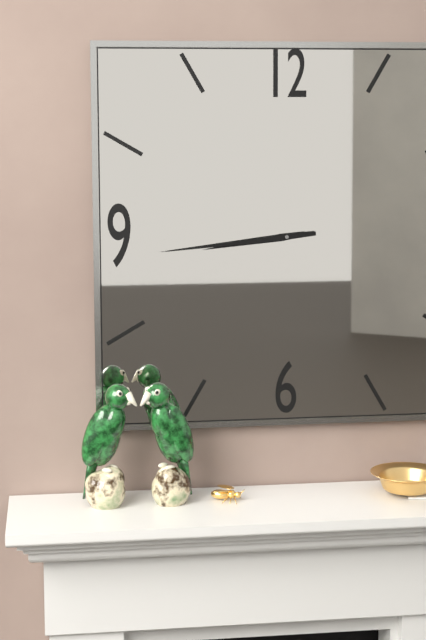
8:44
